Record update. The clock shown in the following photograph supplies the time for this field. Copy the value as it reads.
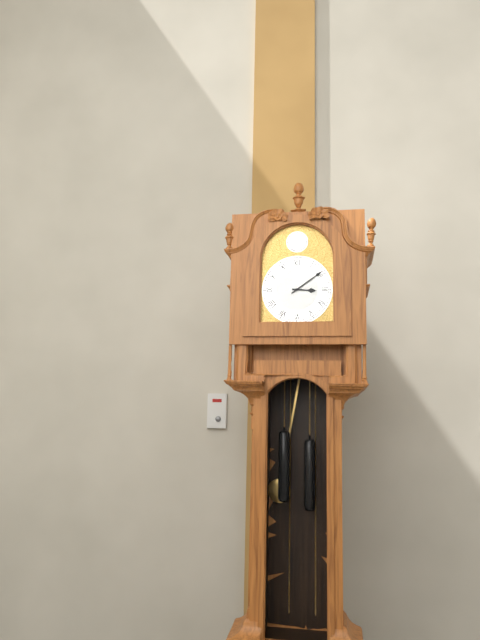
3:09
